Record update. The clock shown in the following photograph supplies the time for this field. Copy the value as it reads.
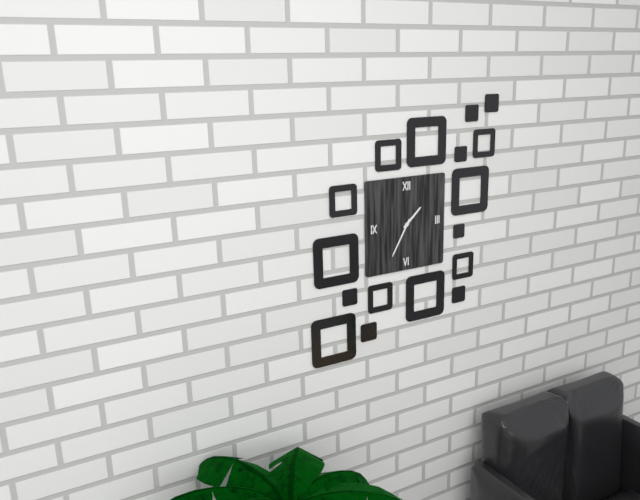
1:35
